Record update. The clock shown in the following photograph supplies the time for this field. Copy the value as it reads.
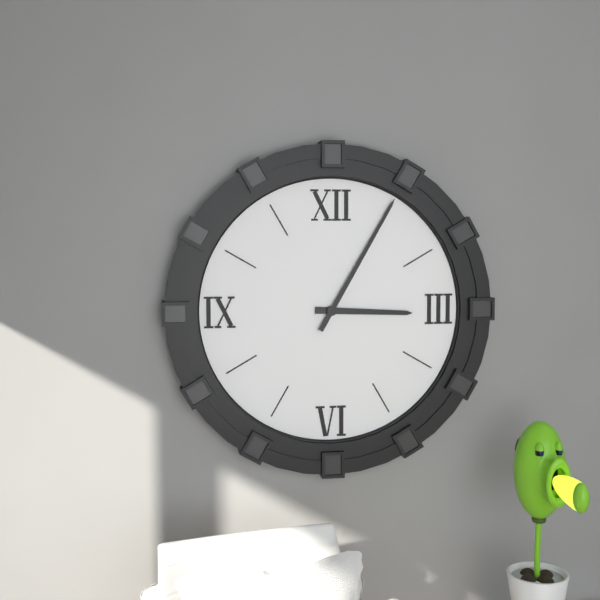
3:05
